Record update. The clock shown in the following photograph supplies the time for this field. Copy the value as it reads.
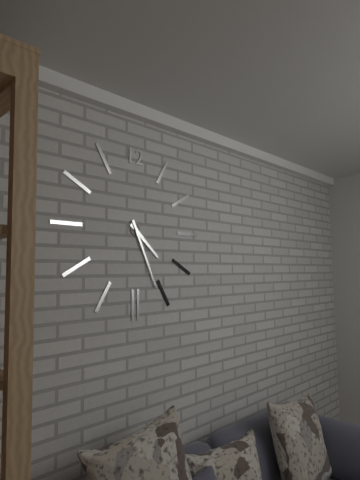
4:26
